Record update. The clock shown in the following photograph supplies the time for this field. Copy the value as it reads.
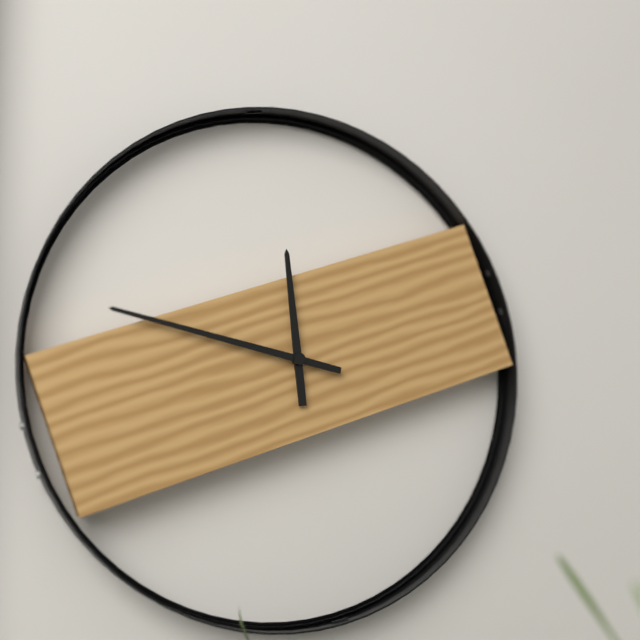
11:47
